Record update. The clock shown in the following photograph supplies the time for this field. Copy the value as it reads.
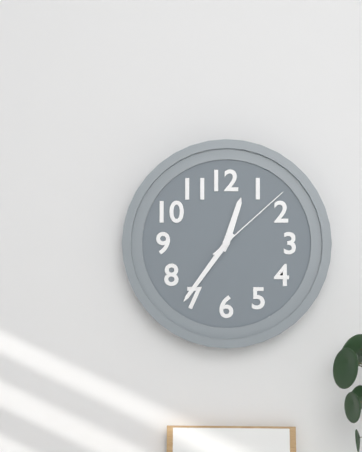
12:36:08
